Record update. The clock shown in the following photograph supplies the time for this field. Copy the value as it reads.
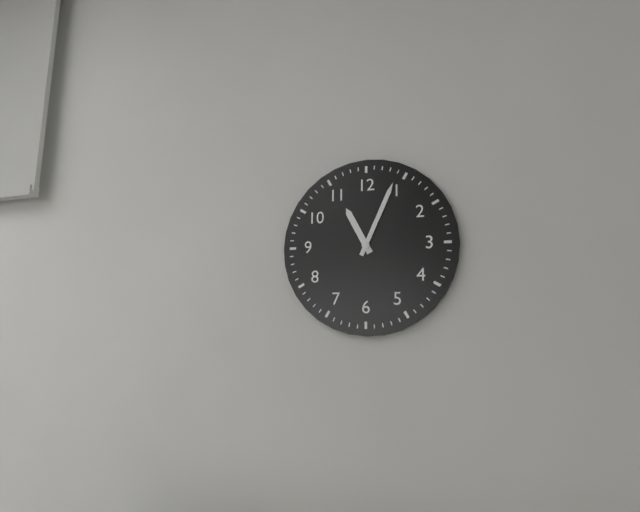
11:04
